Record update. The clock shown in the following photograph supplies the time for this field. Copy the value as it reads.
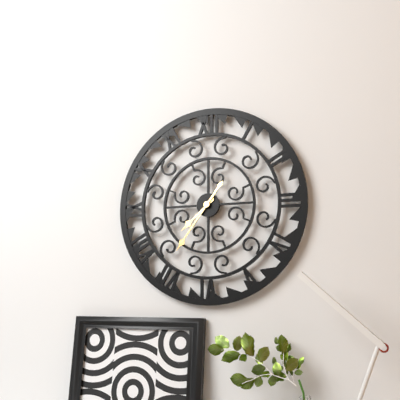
7:36
